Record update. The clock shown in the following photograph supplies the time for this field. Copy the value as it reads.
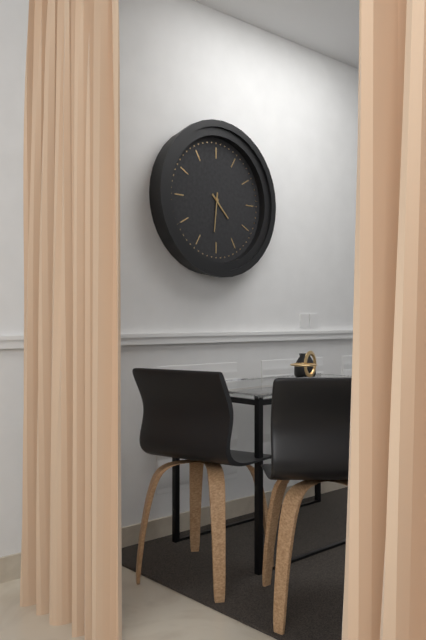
4:31
